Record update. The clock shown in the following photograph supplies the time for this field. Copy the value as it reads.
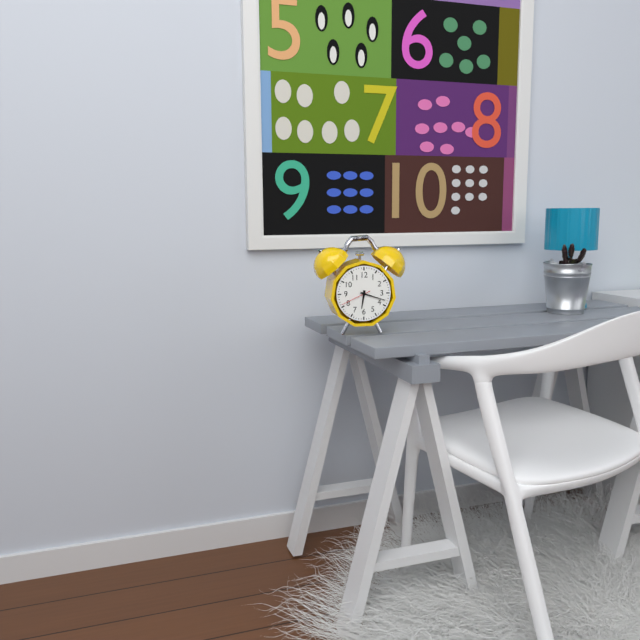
6:18
